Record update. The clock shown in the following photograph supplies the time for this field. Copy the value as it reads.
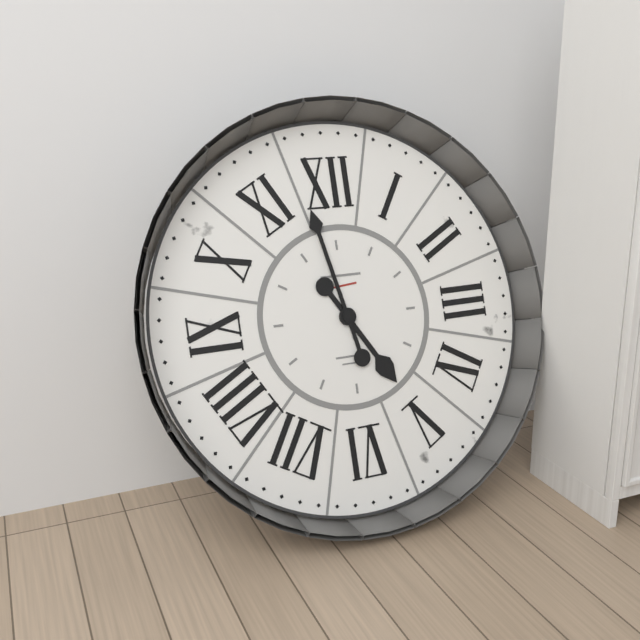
4:58
